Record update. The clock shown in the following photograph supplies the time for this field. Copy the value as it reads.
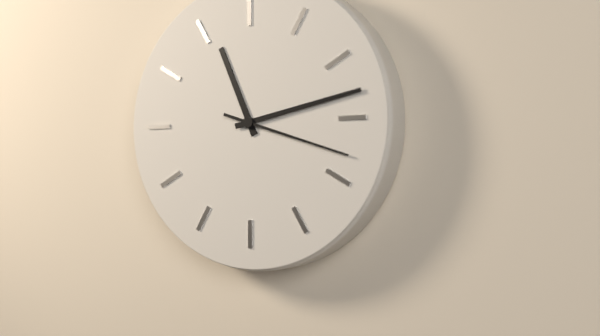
11:13:18
